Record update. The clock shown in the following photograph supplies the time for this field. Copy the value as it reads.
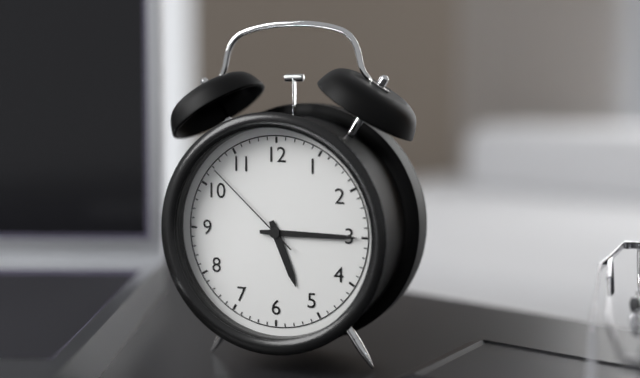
5:15:52
